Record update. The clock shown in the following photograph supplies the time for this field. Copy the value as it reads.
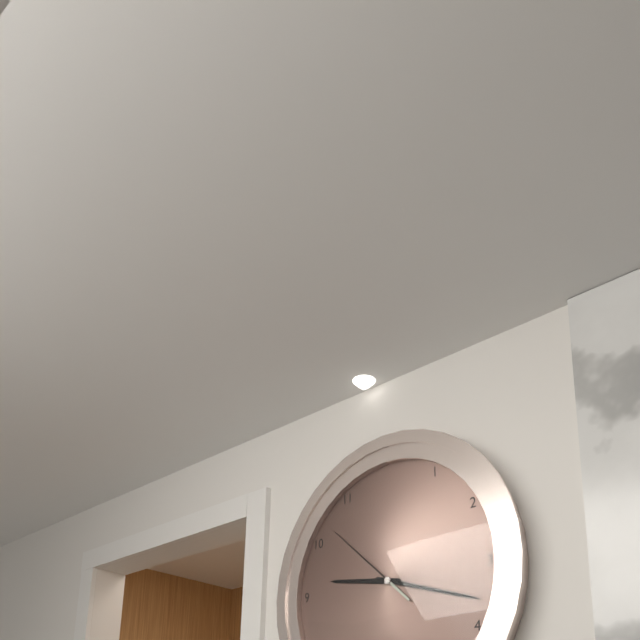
9:18:52
